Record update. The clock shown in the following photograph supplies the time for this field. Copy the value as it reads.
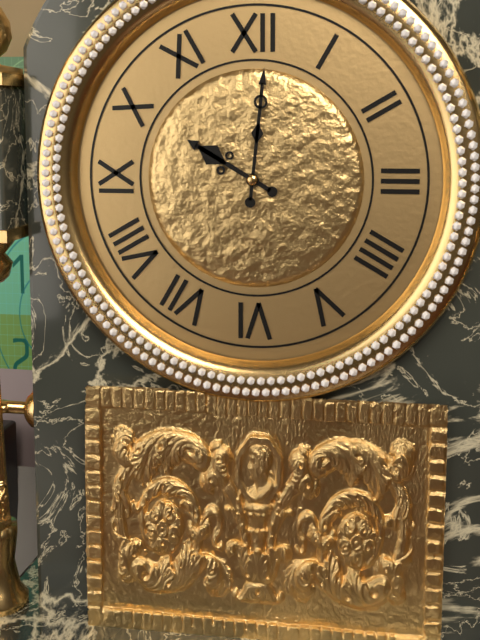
10:01
